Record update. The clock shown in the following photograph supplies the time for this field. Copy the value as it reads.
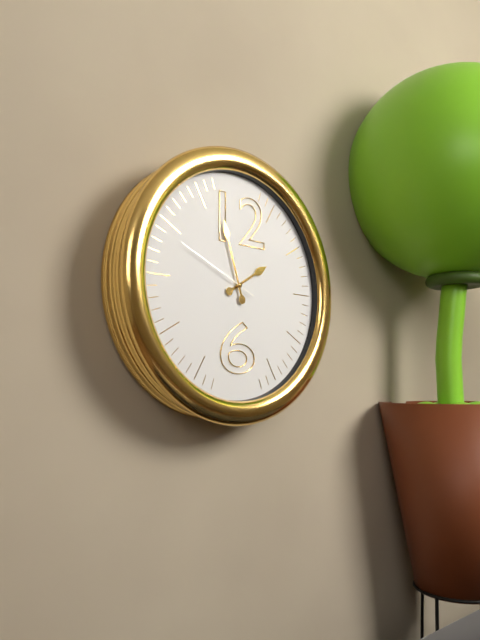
1:57:49
